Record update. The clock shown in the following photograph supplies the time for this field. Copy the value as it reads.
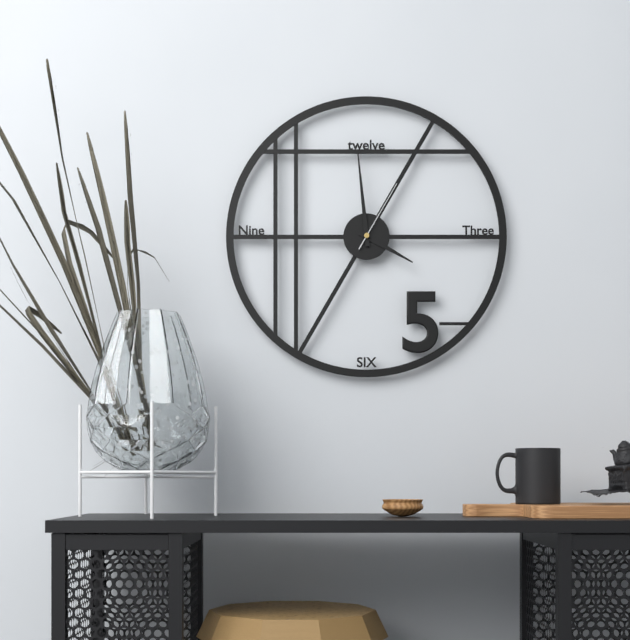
3:59:05
